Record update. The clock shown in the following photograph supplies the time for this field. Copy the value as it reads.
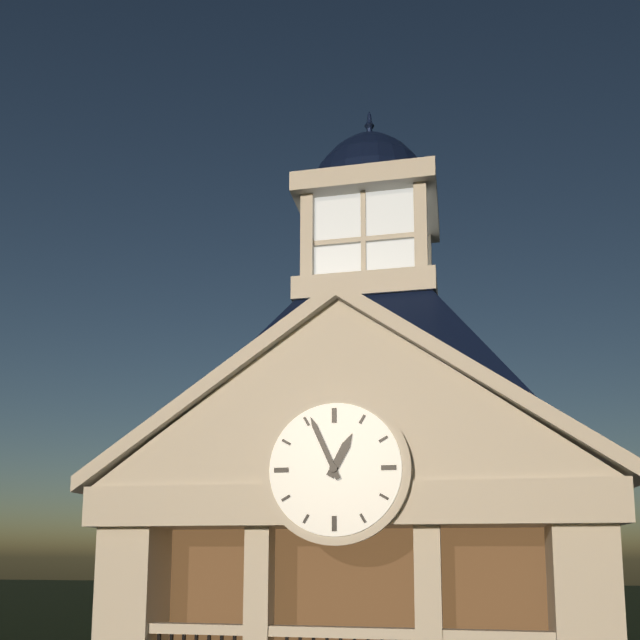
12:56
